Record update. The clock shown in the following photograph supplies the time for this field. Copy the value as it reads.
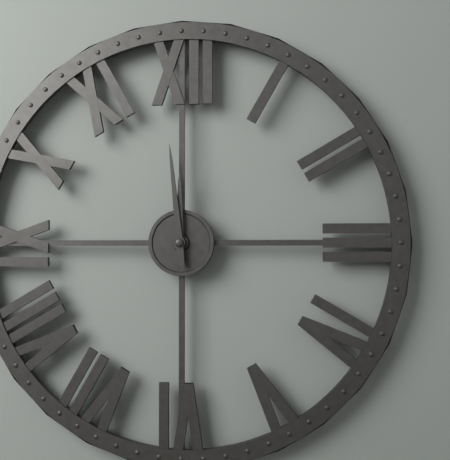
11:59
